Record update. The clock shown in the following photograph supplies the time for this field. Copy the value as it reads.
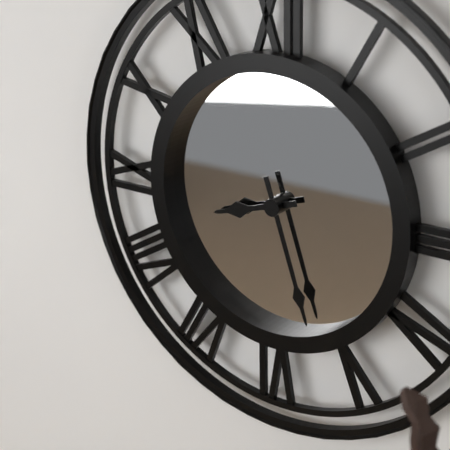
8:27
